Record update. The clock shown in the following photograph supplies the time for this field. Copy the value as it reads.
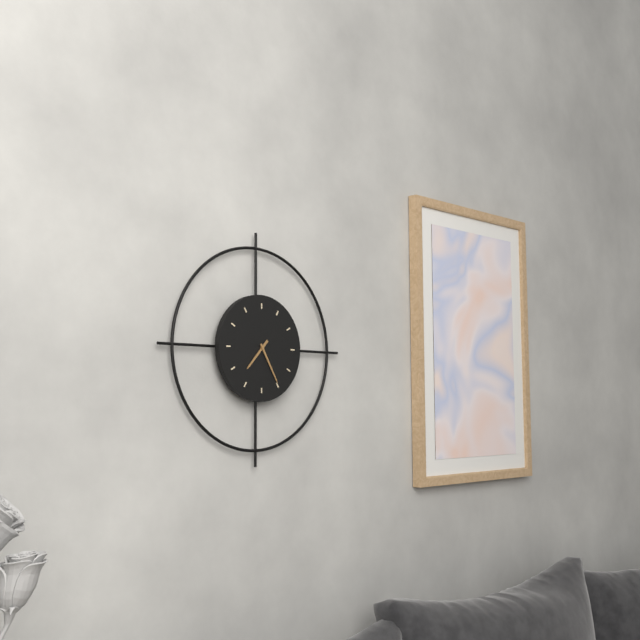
7:25
